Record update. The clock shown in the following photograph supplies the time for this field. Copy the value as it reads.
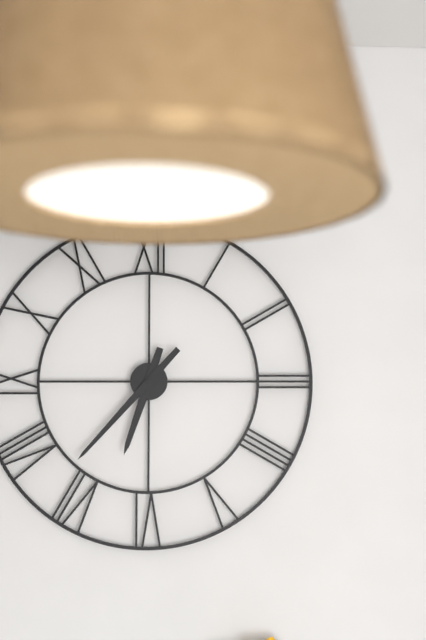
6:37
